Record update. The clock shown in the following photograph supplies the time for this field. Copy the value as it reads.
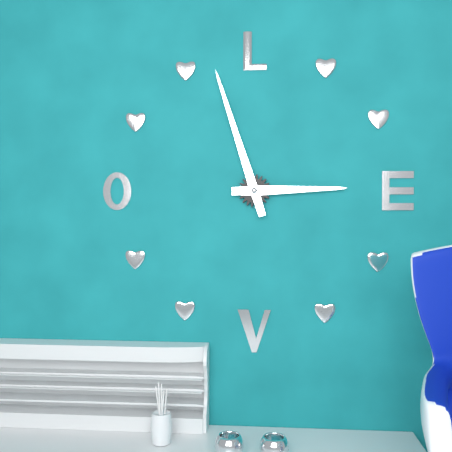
2:57
